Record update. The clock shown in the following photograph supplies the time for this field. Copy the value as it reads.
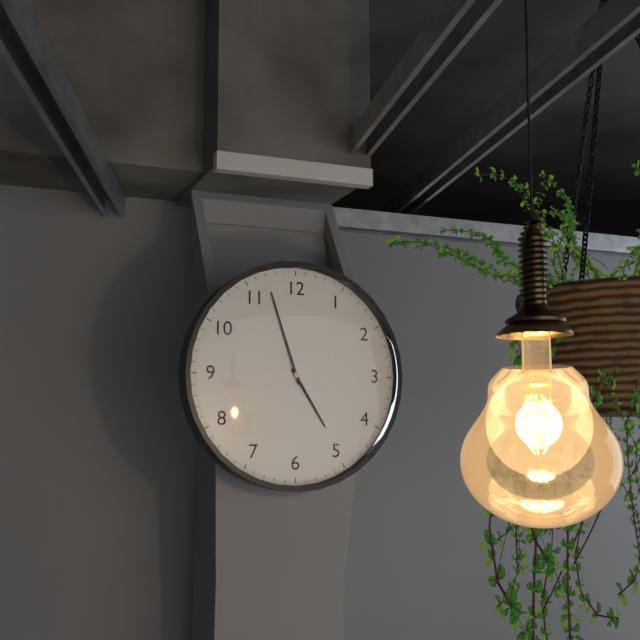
4:57
